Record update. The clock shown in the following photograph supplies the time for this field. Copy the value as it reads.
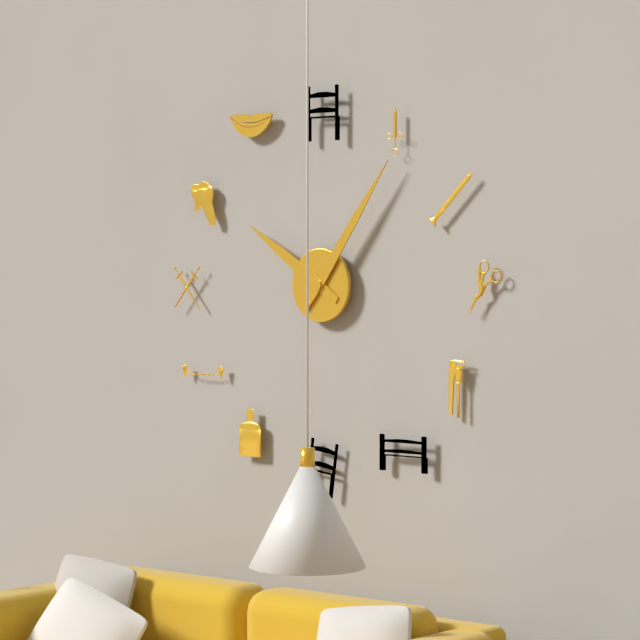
10:06
